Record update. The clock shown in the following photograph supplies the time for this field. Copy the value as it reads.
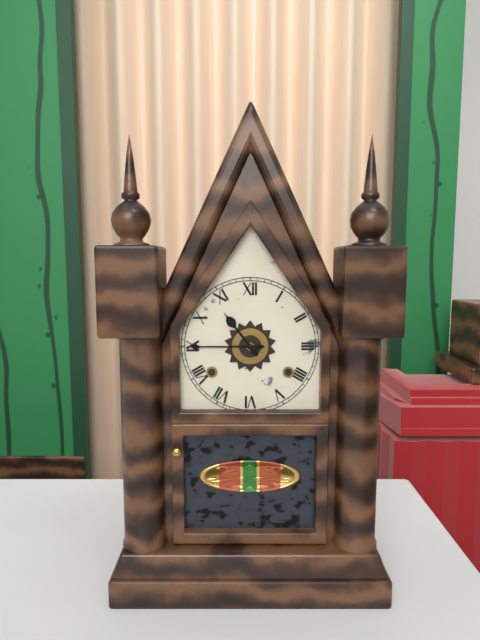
10:45
